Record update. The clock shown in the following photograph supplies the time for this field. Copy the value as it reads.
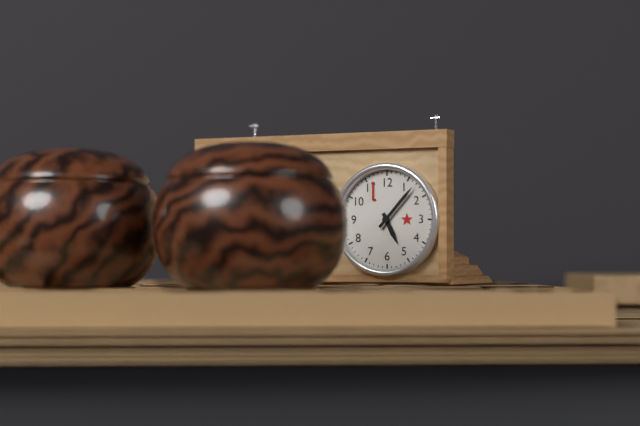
5:07
